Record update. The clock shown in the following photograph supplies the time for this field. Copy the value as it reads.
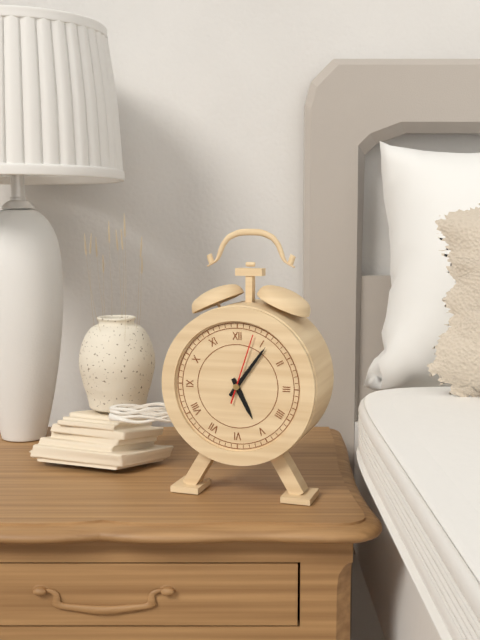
5:06:03
